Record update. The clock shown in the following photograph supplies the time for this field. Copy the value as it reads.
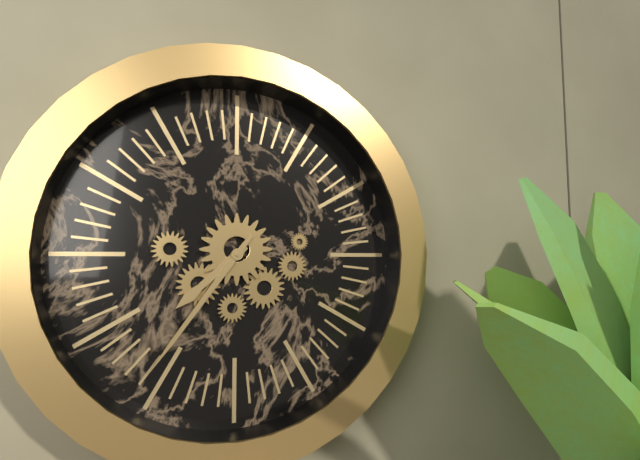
7:36
